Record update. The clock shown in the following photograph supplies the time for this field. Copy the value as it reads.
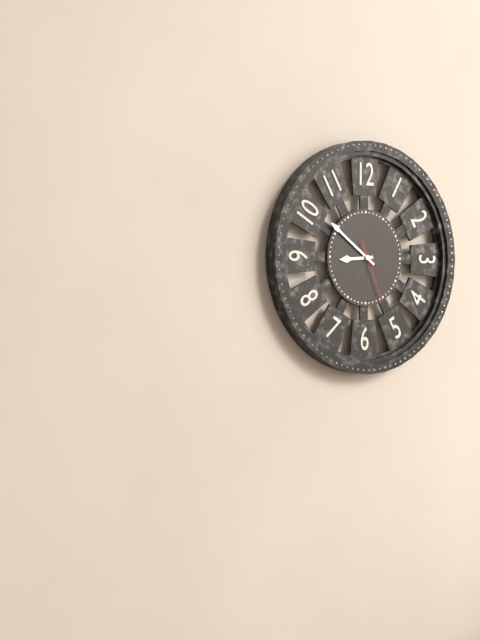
8:51:26
